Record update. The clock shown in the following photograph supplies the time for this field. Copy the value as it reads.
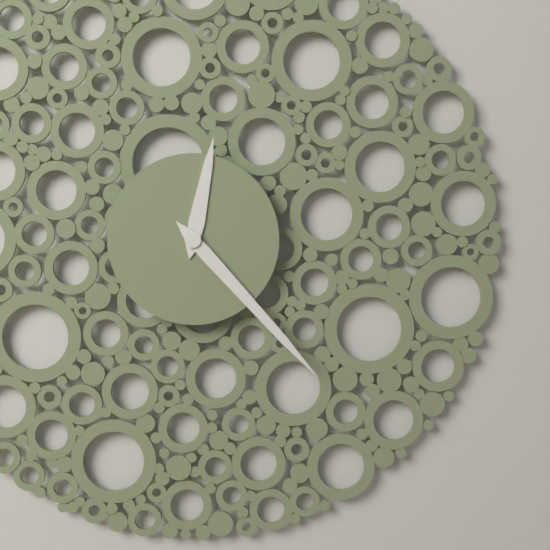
12:23
